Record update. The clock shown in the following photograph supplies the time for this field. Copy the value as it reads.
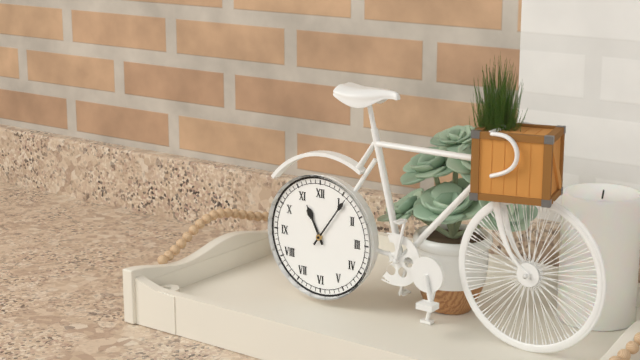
11:06
